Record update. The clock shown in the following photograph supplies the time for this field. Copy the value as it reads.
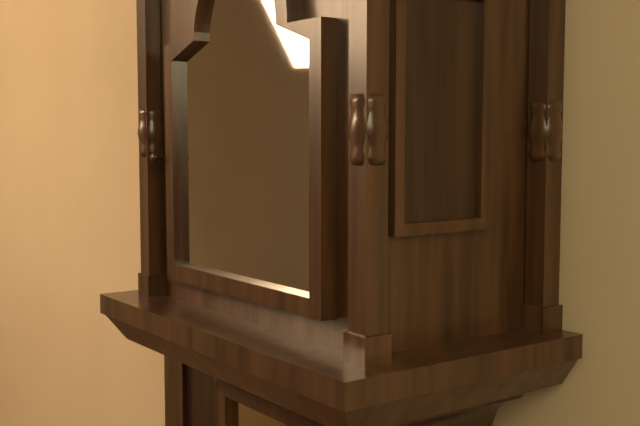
11:00
